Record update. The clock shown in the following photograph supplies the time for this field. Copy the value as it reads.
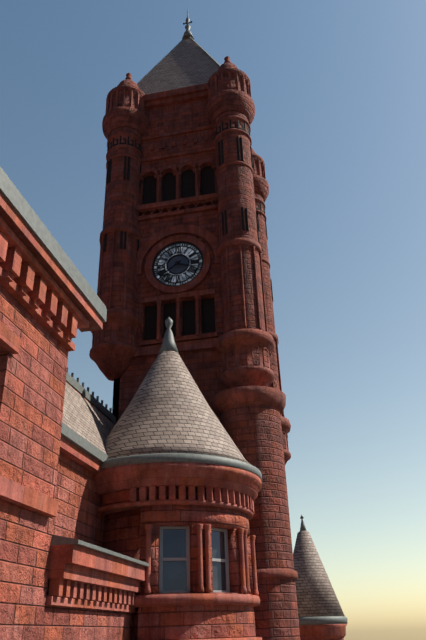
3:39
